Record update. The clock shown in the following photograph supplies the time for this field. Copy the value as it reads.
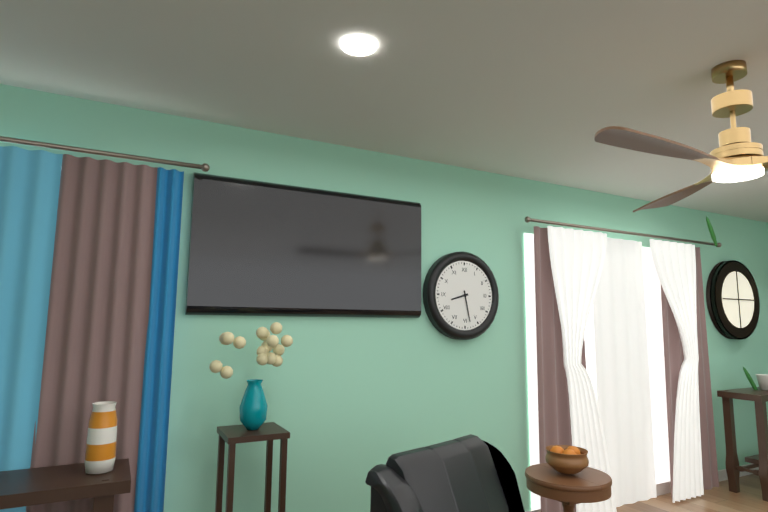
8:28
